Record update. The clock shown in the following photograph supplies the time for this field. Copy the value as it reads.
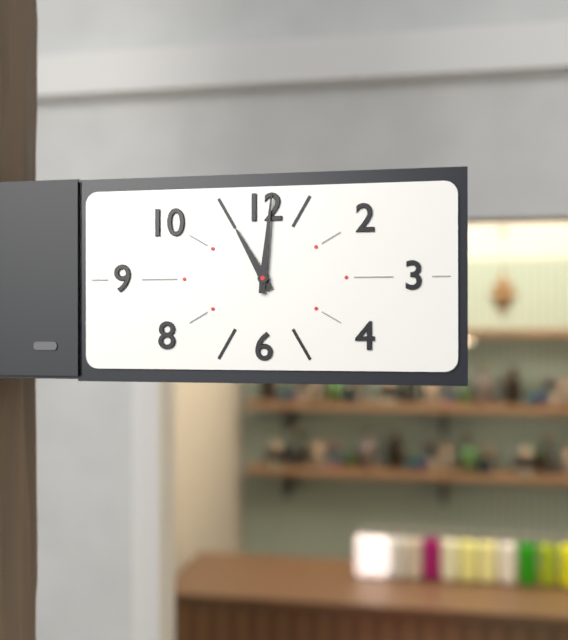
11:01
